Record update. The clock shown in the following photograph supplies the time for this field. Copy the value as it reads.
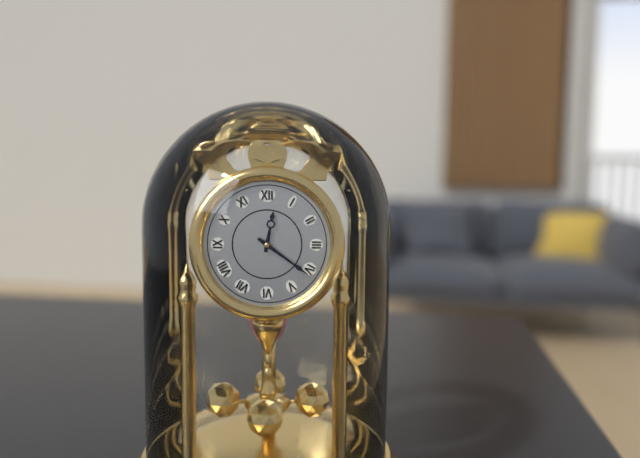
12:21
